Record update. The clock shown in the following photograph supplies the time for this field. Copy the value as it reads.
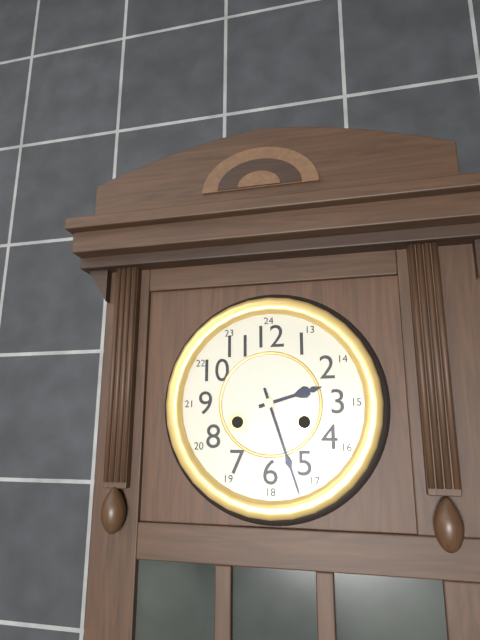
2:27
